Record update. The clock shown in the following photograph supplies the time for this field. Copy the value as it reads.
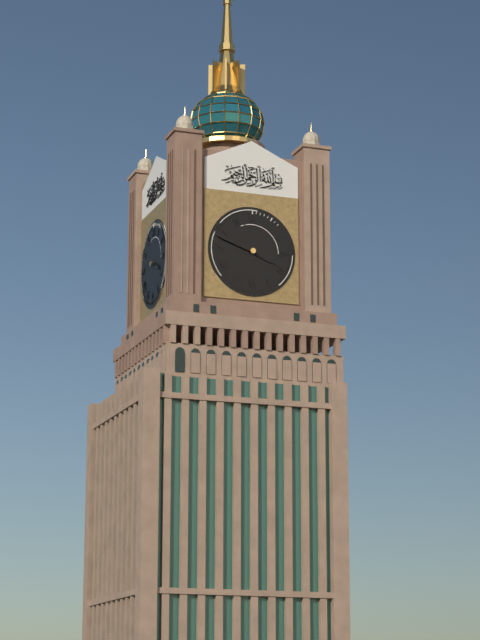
3:48
